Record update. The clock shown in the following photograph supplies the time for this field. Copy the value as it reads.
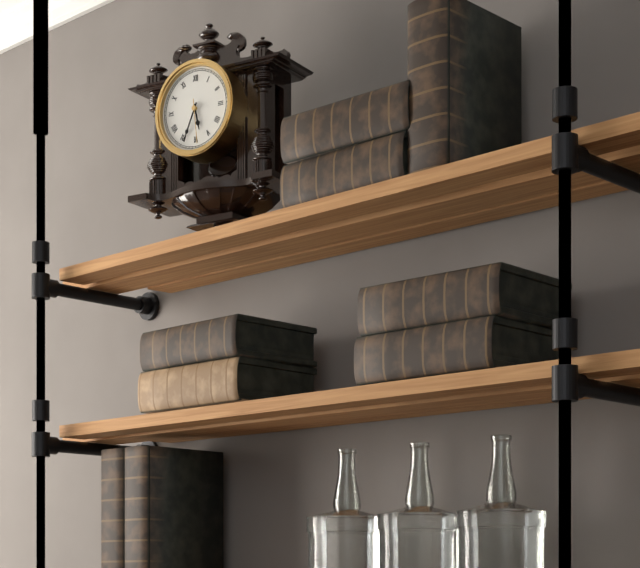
5:34
